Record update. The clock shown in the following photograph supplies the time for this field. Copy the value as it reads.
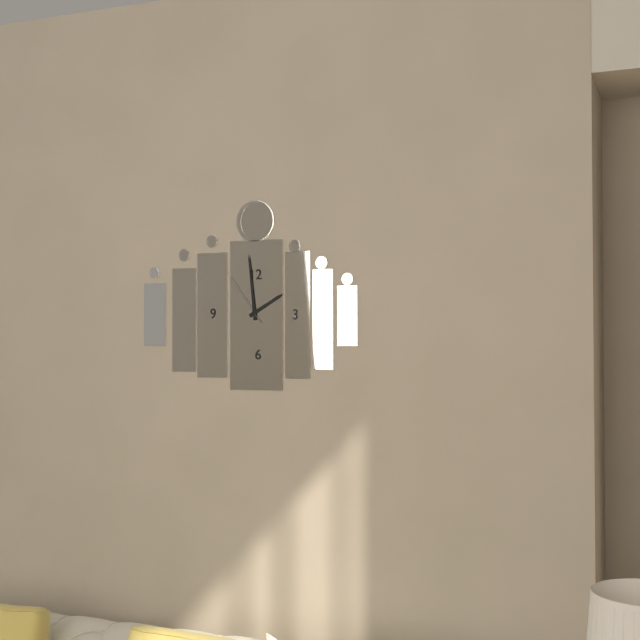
1:59:54
